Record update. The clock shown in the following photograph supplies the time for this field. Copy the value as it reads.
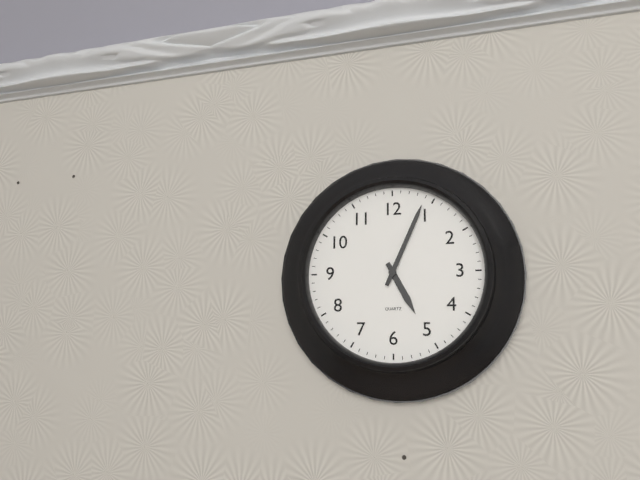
5:04
